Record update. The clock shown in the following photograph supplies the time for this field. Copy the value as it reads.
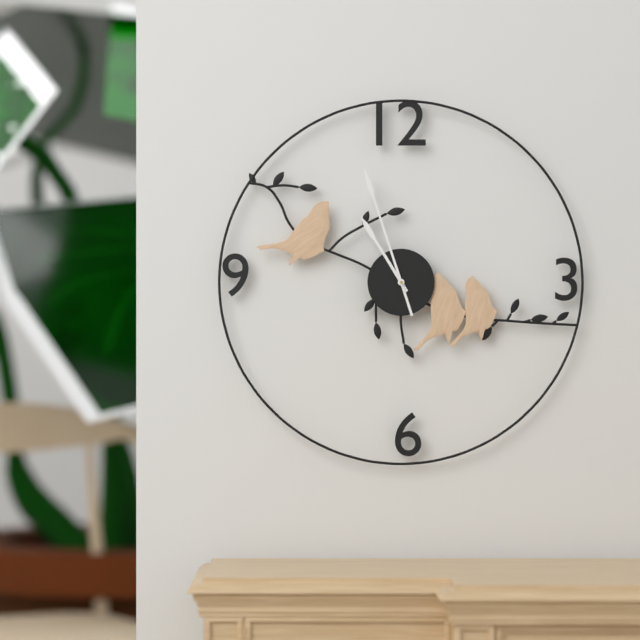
10:57
